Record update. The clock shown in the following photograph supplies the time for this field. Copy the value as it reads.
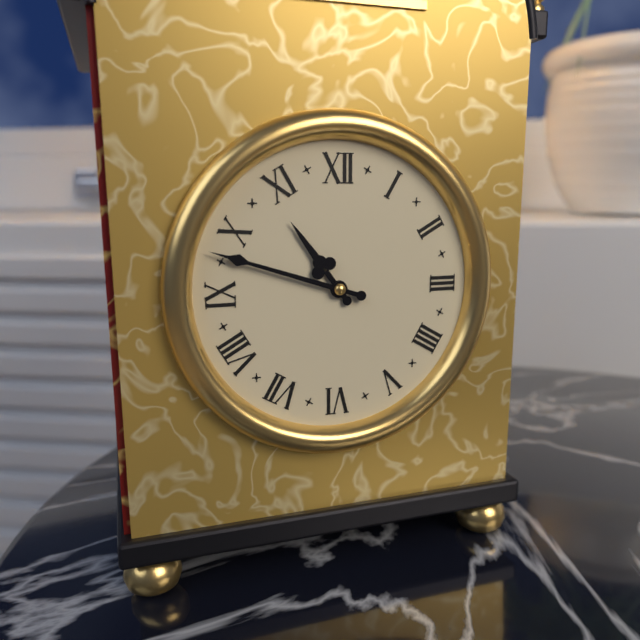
10:48
